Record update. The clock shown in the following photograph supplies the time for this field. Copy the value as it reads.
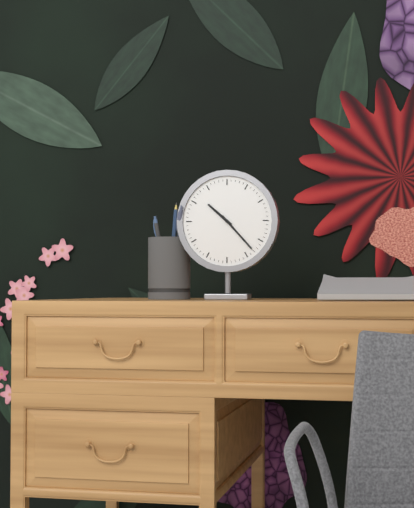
10:23
